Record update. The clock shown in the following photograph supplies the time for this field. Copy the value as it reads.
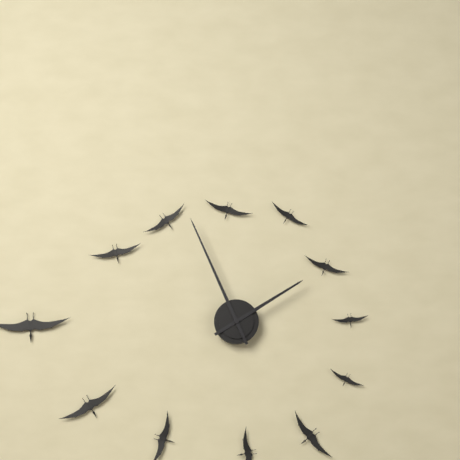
1:56
